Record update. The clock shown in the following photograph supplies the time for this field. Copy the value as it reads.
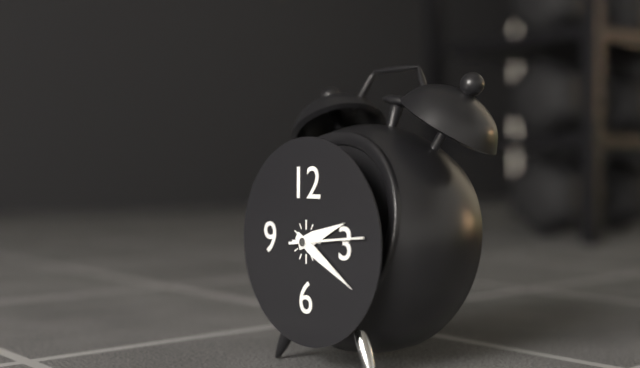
2:20:14
